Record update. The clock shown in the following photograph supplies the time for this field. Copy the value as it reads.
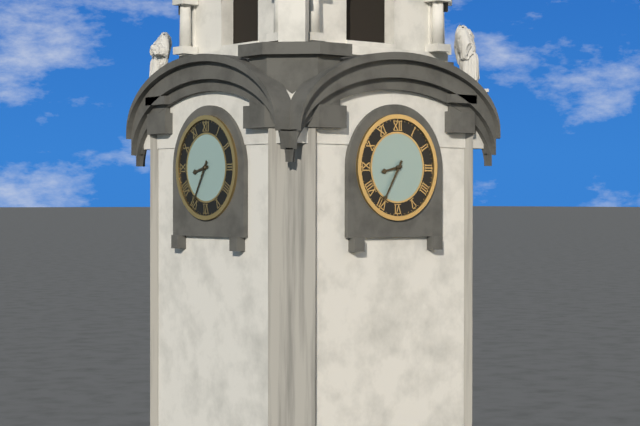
8:35
